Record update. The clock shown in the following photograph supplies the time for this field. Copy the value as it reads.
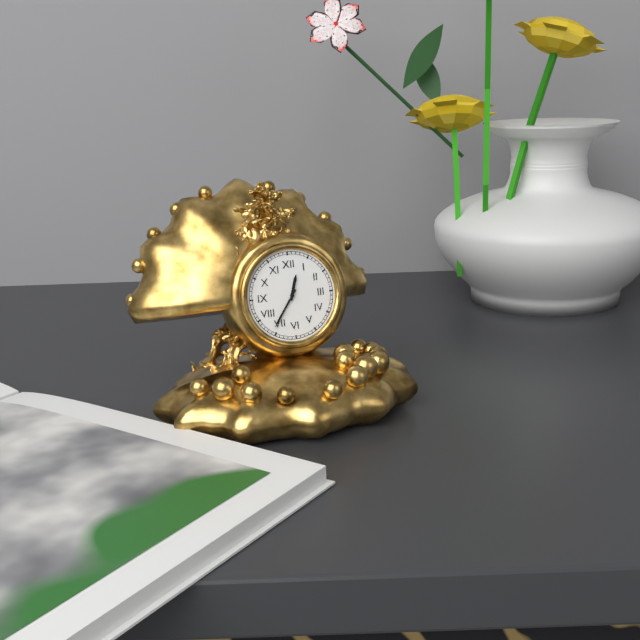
12:36
